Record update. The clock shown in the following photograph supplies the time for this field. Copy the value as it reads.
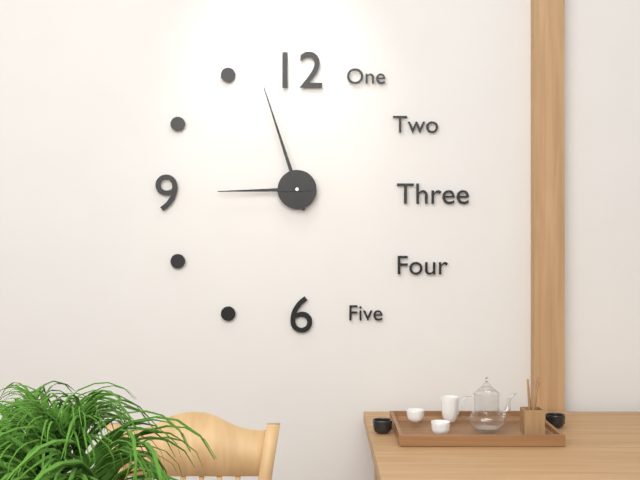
8:57
